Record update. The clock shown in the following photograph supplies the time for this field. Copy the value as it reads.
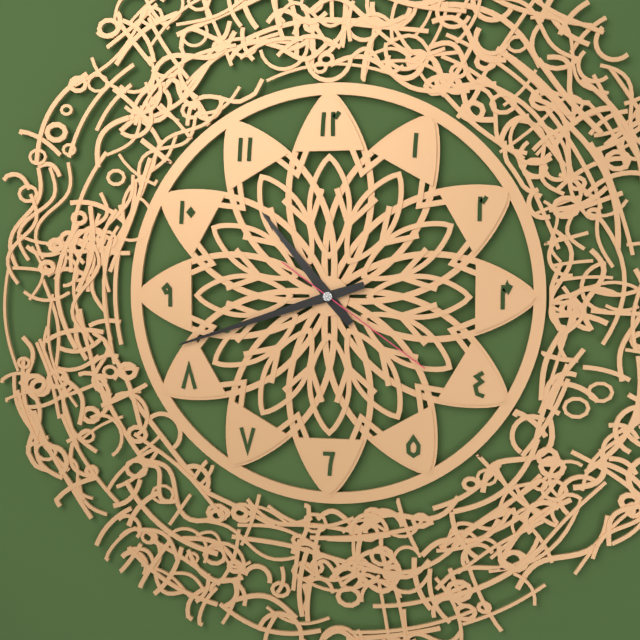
10:42:21
